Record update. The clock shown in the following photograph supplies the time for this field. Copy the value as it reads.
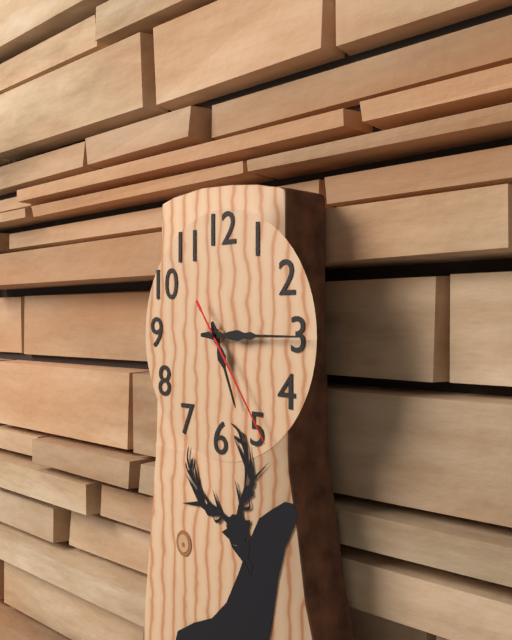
5:15:24
